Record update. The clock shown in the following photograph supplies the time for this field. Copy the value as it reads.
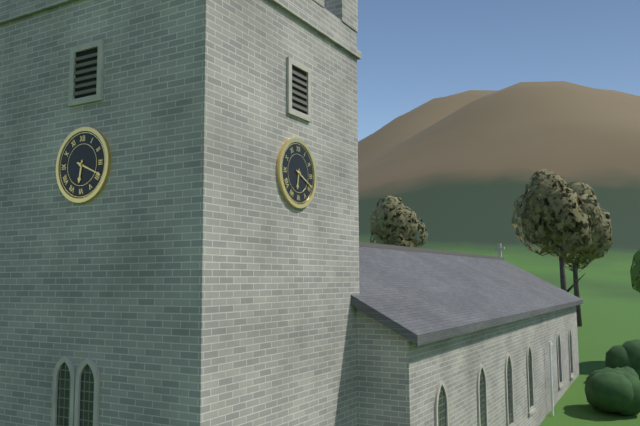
6:19
